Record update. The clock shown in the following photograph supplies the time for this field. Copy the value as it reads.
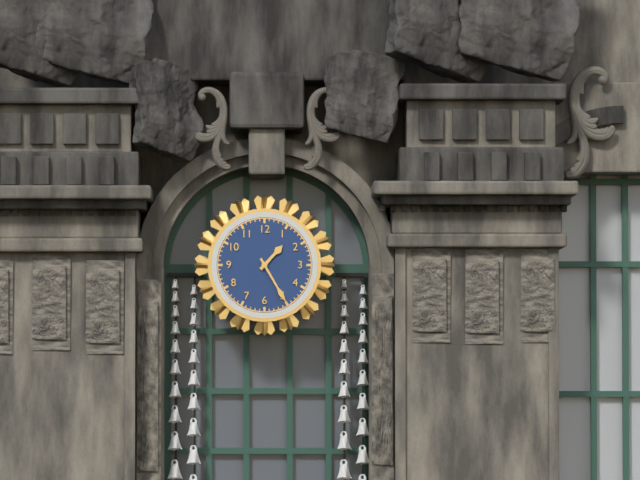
1:25
